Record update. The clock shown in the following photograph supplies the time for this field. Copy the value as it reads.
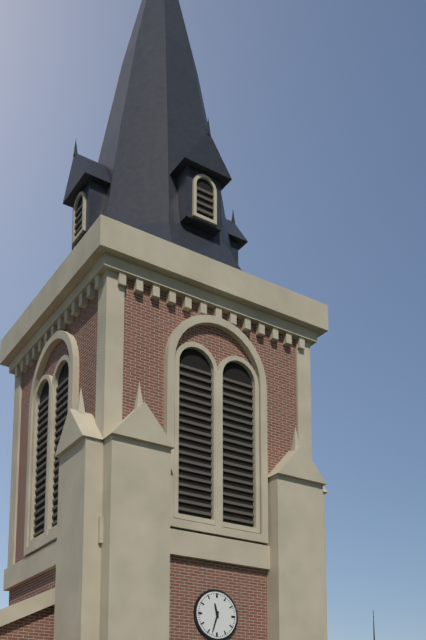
11:33
